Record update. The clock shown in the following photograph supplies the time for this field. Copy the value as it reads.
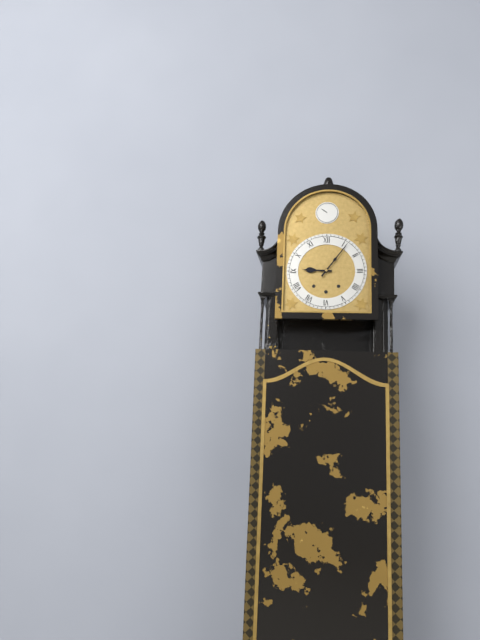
9:06
